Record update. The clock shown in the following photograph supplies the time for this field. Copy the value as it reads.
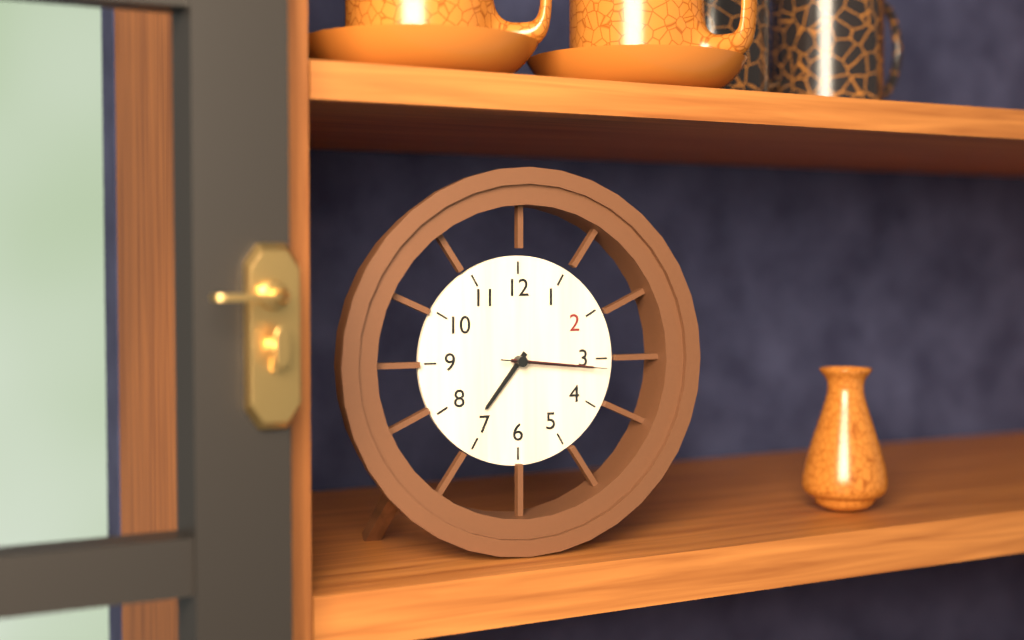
7:16:16
